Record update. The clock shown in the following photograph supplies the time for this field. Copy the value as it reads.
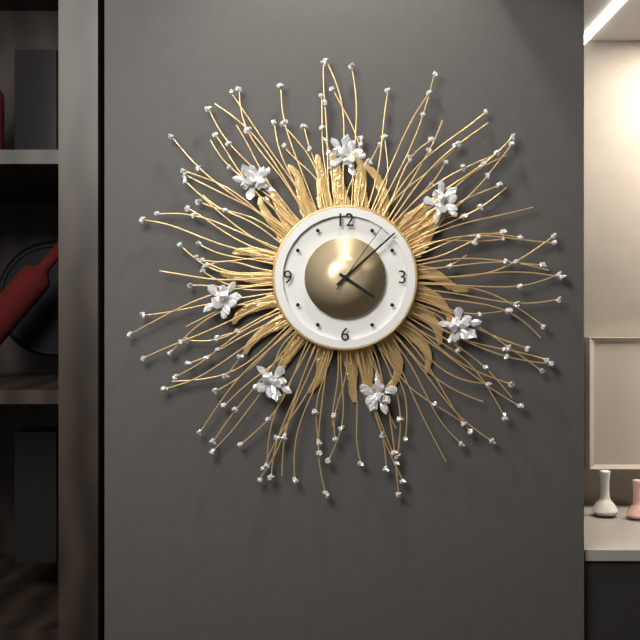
4:08:06
